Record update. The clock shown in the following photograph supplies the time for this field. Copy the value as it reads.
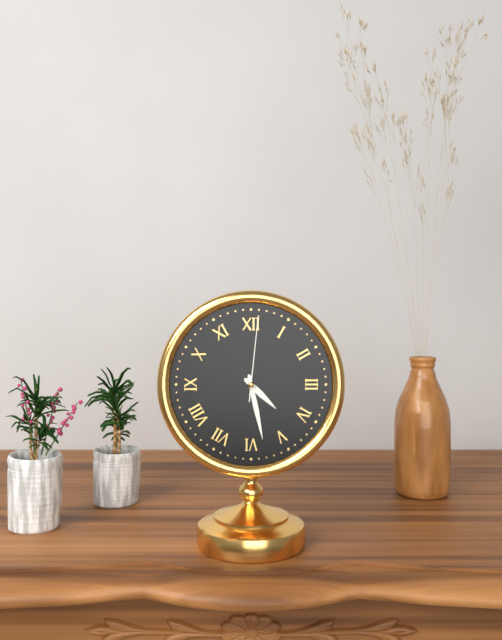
4:28:01
